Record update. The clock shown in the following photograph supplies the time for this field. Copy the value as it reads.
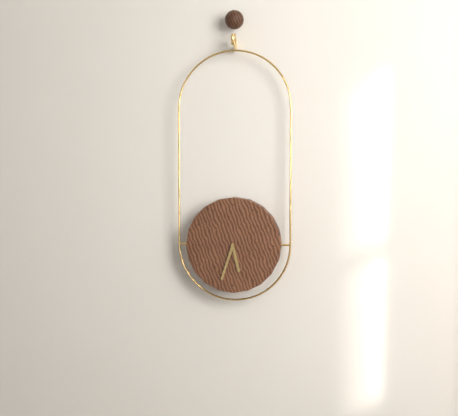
5:33
